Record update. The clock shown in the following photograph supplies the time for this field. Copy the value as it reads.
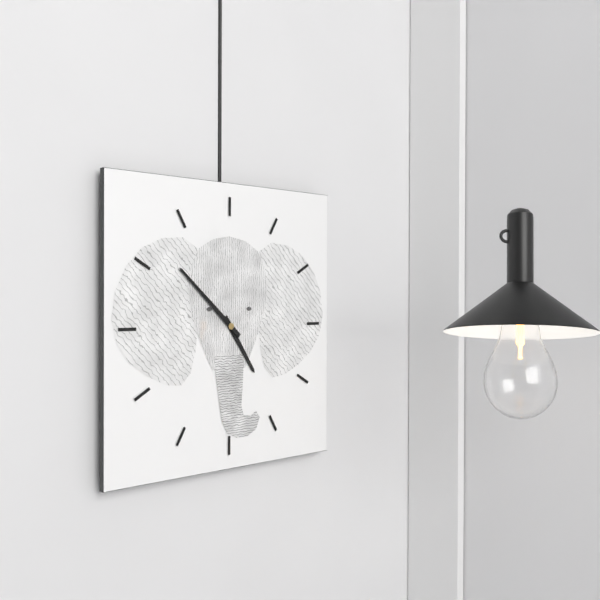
4:52
